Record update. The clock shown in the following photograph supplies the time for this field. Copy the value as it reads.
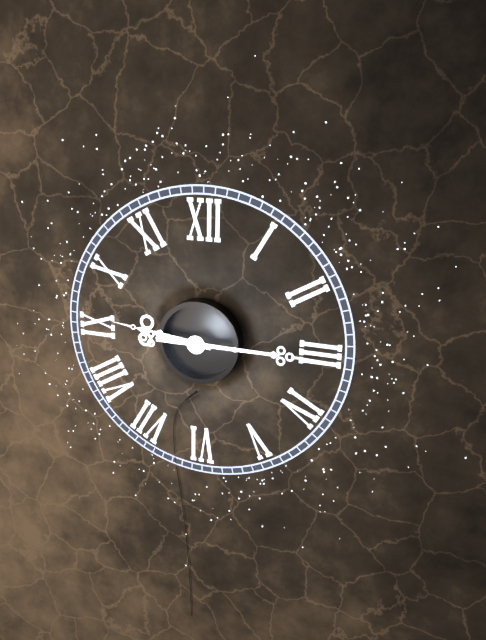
9:15
